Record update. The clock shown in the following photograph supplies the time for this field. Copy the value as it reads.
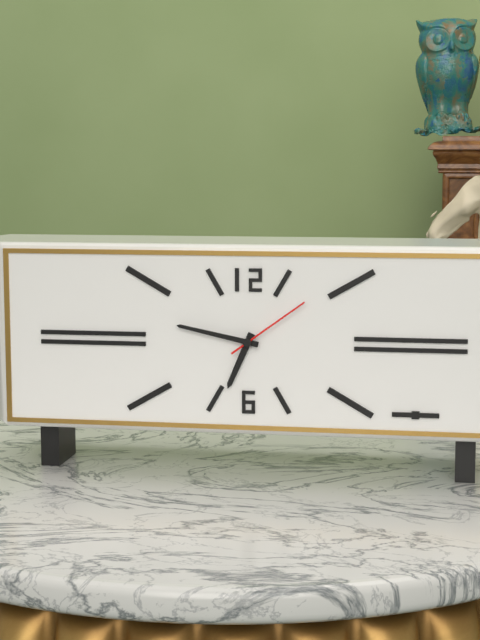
6:47:09
